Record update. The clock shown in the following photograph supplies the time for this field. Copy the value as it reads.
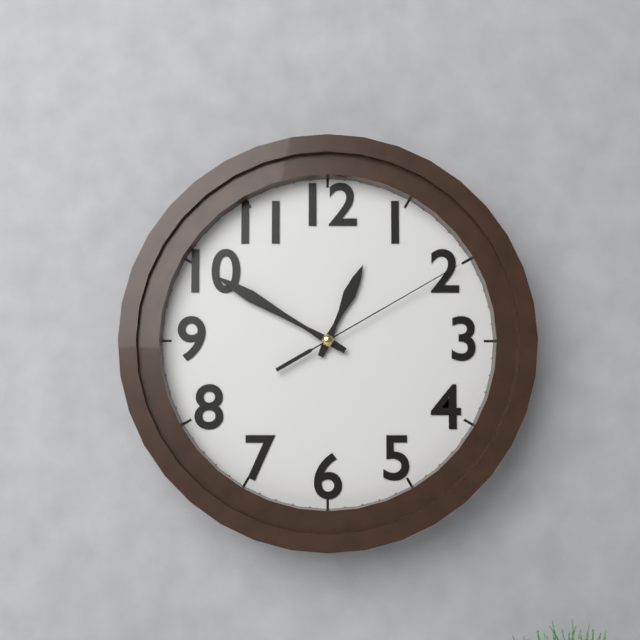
12:50:10
